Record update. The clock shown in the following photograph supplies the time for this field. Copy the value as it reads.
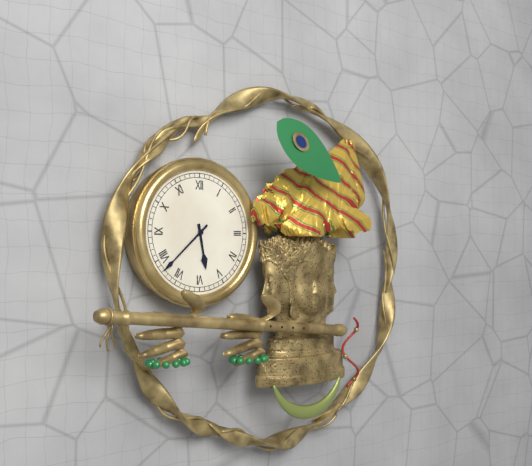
5:38
